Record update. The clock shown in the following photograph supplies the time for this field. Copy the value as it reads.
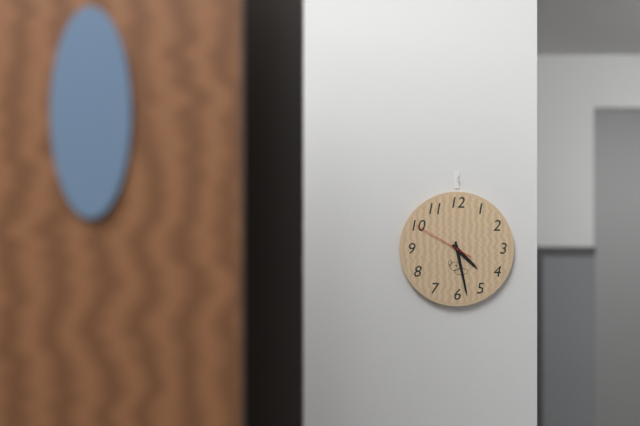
4:28:50
